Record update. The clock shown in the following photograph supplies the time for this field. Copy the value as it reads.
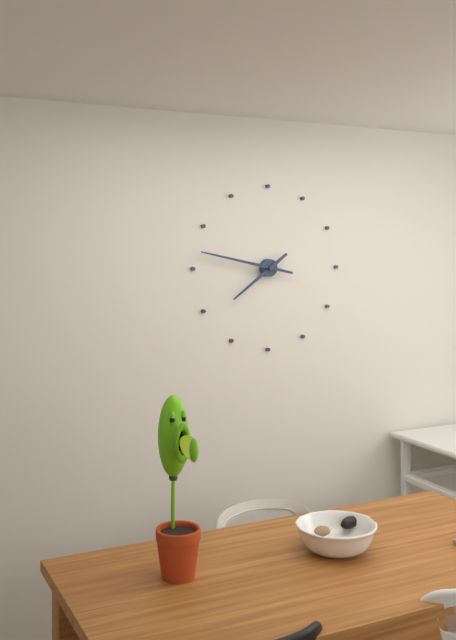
7:47
